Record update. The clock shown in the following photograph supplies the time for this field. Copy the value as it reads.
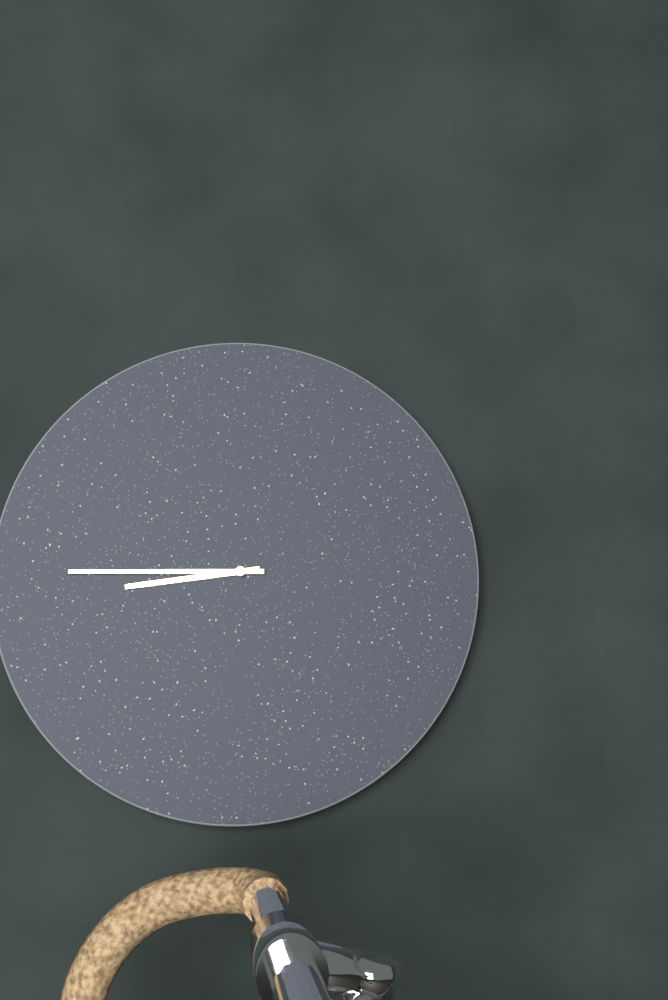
8:45
